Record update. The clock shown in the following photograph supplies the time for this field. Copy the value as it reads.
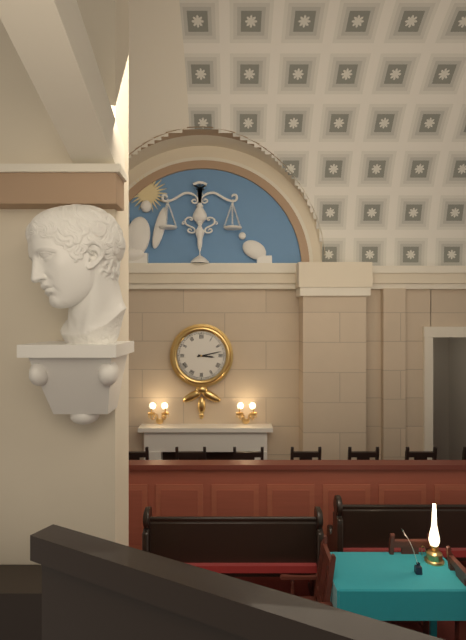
3:13
